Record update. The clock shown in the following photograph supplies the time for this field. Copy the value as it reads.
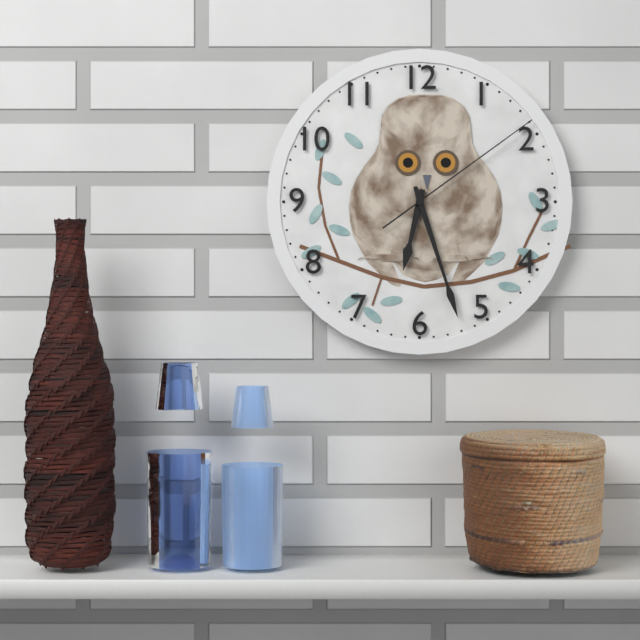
6:27:09
